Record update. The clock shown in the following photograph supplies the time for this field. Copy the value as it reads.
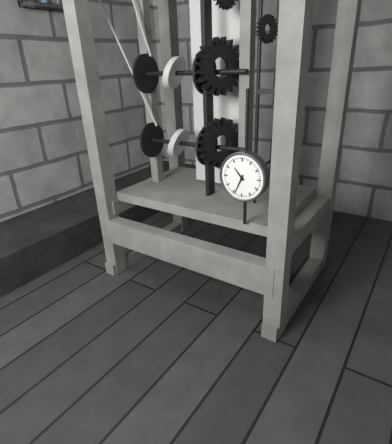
10:34
